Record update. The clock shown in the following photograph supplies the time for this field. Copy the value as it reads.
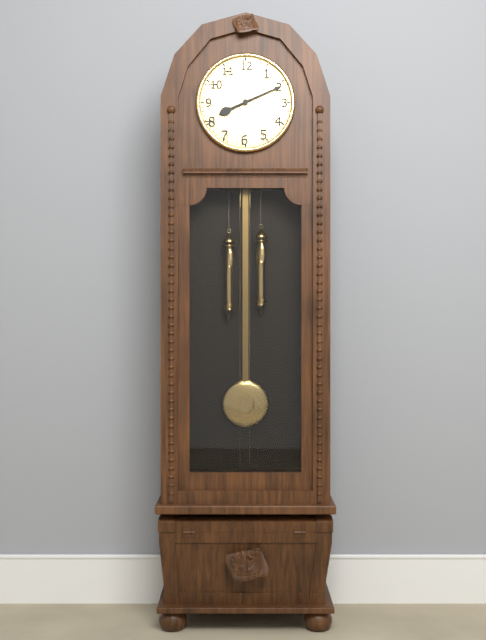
8:11
